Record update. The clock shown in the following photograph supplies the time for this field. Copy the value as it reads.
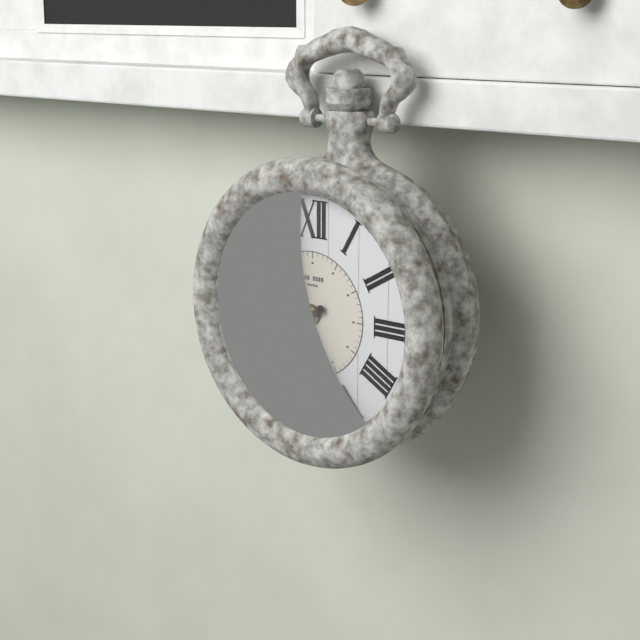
8:40
